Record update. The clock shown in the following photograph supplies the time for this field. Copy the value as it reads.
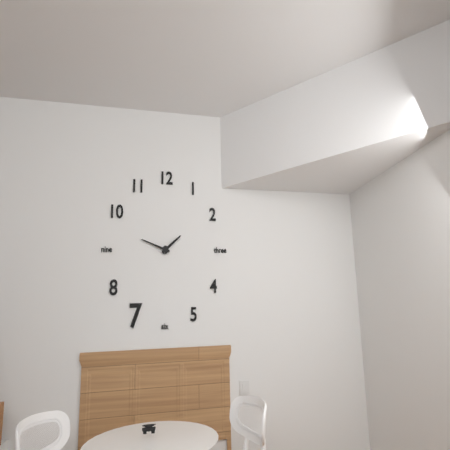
1:48
